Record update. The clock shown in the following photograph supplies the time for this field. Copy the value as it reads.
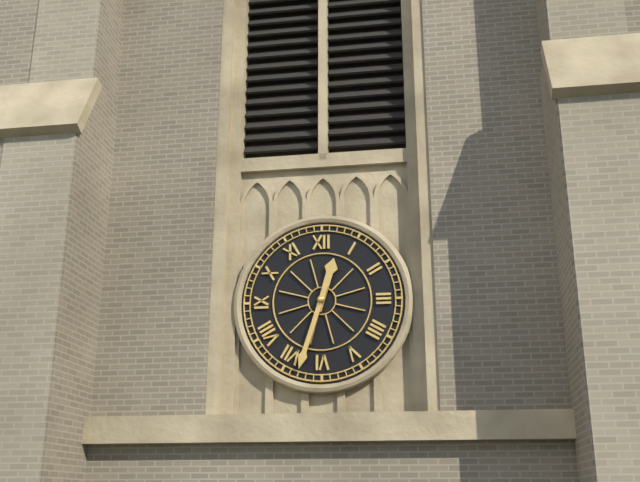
12:33
